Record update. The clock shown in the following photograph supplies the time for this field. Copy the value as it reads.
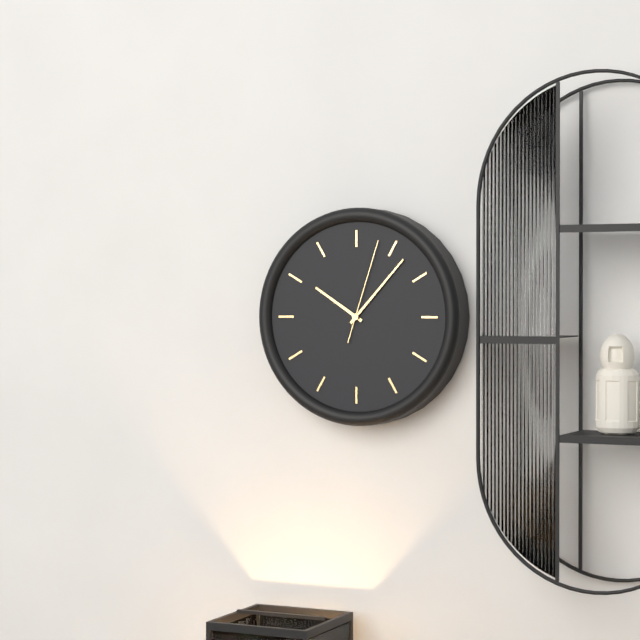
10:07:03
